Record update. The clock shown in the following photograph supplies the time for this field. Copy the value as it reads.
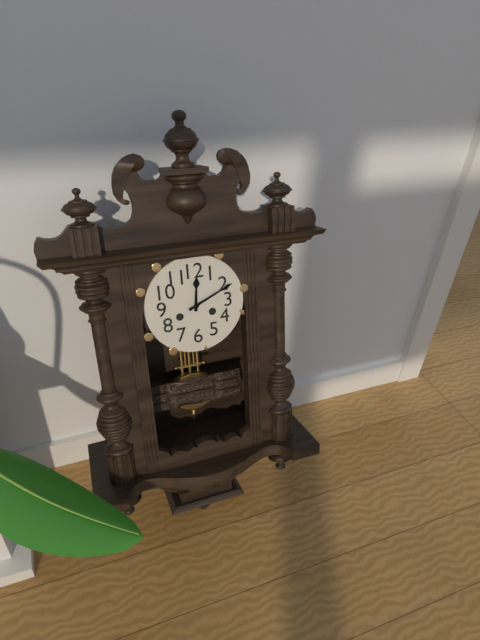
12:11
